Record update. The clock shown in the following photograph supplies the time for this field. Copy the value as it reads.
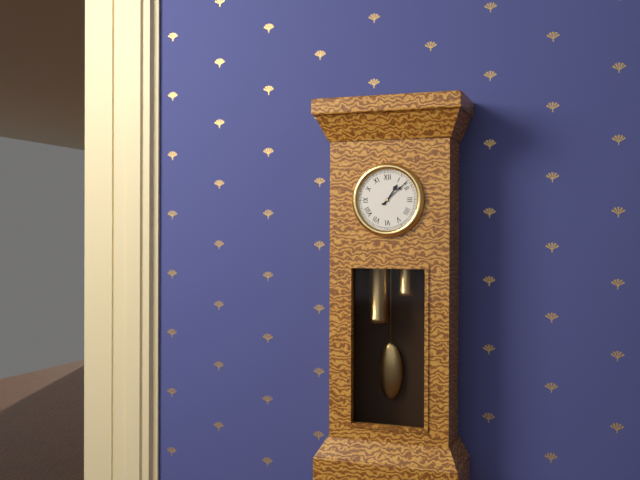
1:08
